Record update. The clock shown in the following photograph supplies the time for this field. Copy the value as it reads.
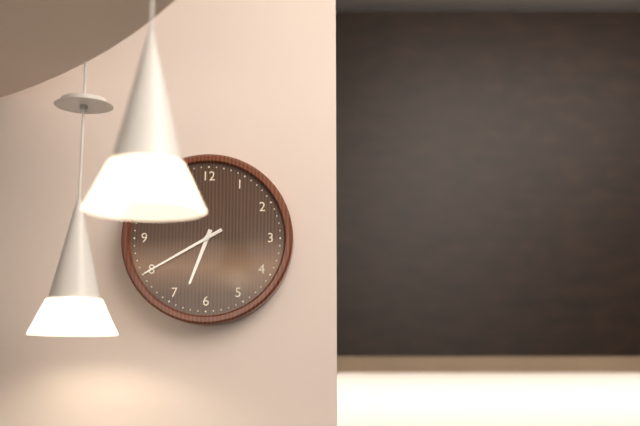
6:40
